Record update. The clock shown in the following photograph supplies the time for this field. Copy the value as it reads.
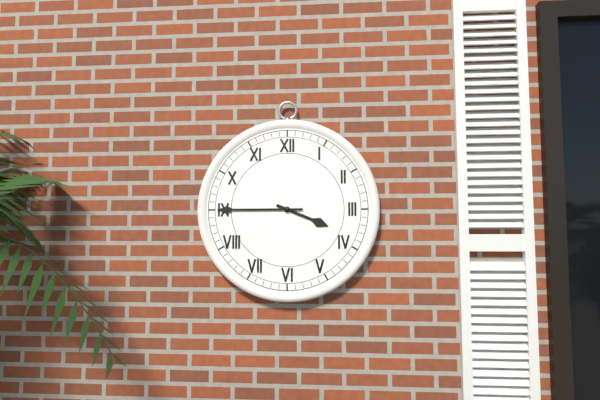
3:45
